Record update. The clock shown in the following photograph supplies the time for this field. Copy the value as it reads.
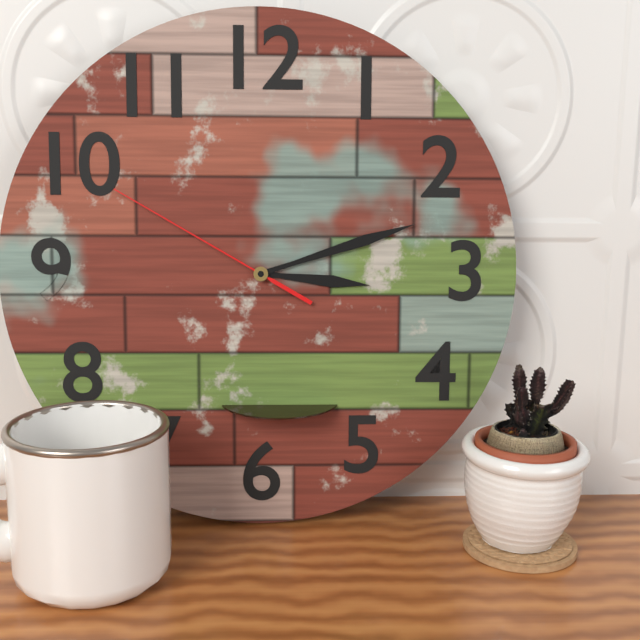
3:12:50
